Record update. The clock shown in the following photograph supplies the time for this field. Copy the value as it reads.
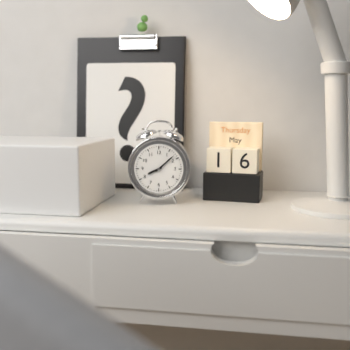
8:08
